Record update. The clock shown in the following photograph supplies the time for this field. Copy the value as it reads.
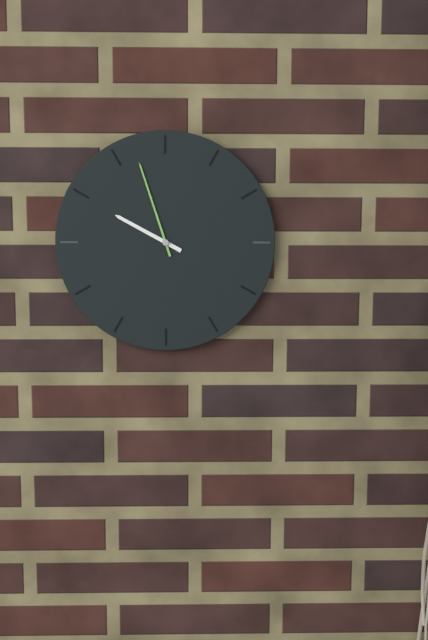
9:57
